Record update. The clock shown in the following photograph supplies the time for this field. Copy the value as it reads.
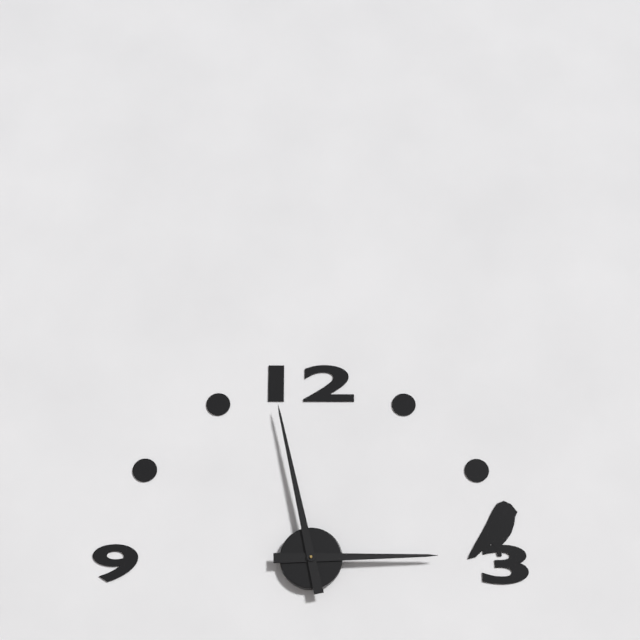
2:58
